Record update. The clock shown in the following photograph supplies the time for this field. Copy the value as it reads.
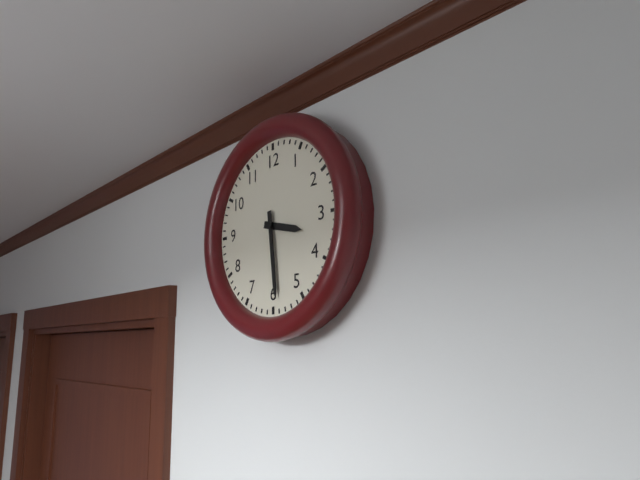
3:29
